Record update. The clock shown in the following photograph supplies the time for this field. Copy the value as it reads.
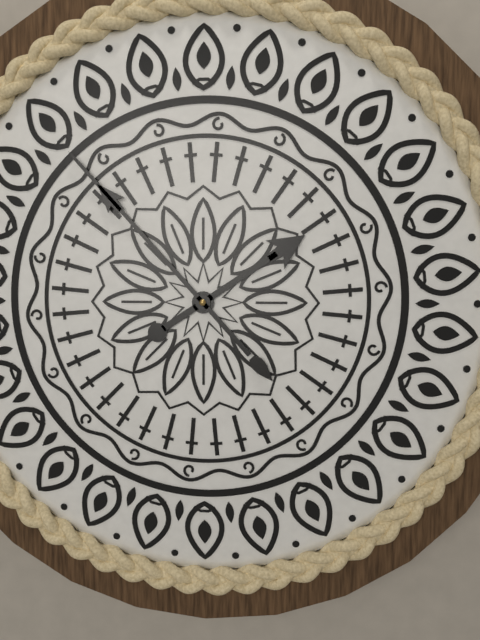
1:53
